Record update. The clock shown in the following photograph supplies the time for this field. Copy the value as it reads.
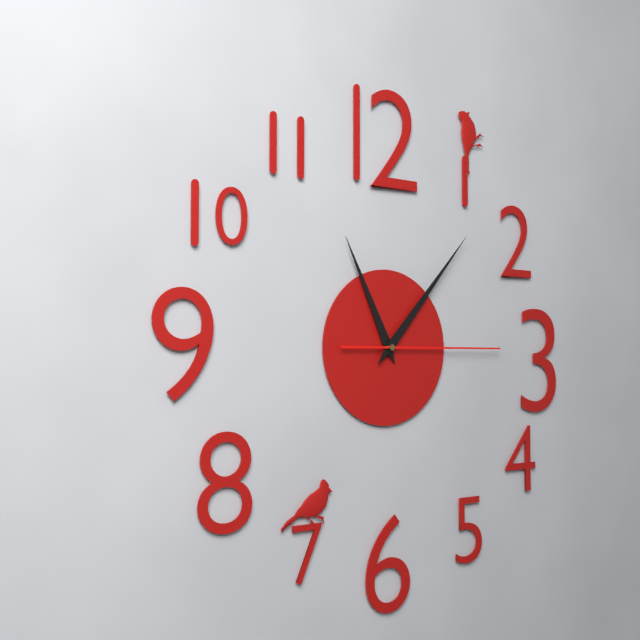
11:07:15
